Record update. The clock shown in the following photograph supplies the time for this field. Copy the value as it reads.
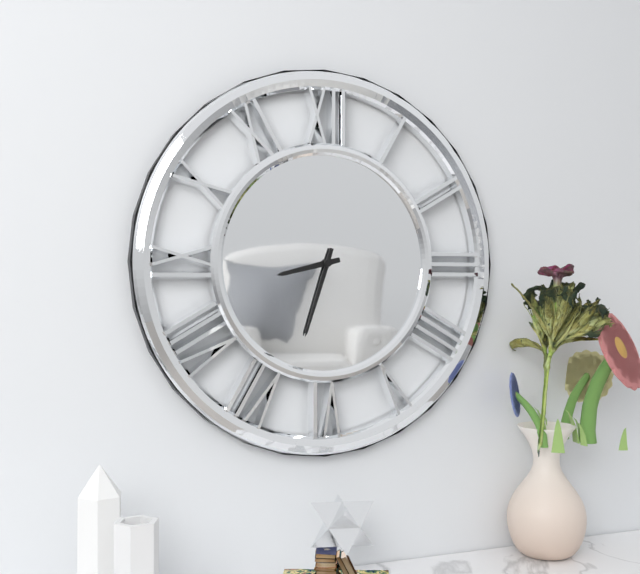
8:33
